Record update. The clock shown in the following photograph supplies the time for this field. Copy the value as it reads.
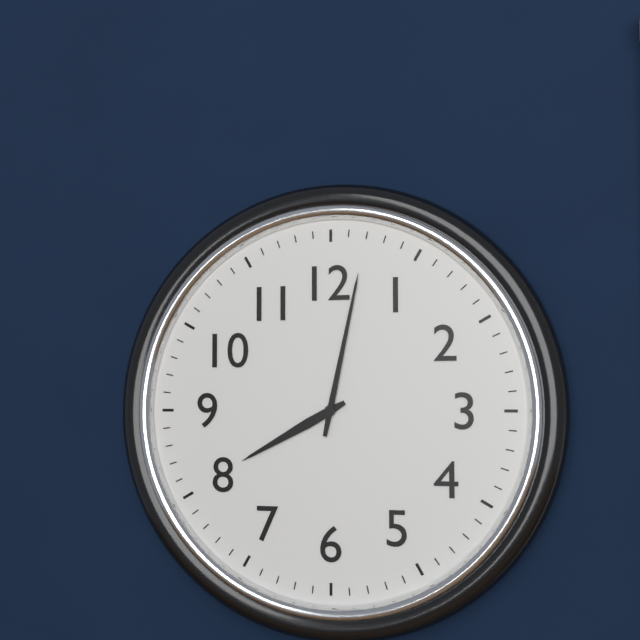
8:02
